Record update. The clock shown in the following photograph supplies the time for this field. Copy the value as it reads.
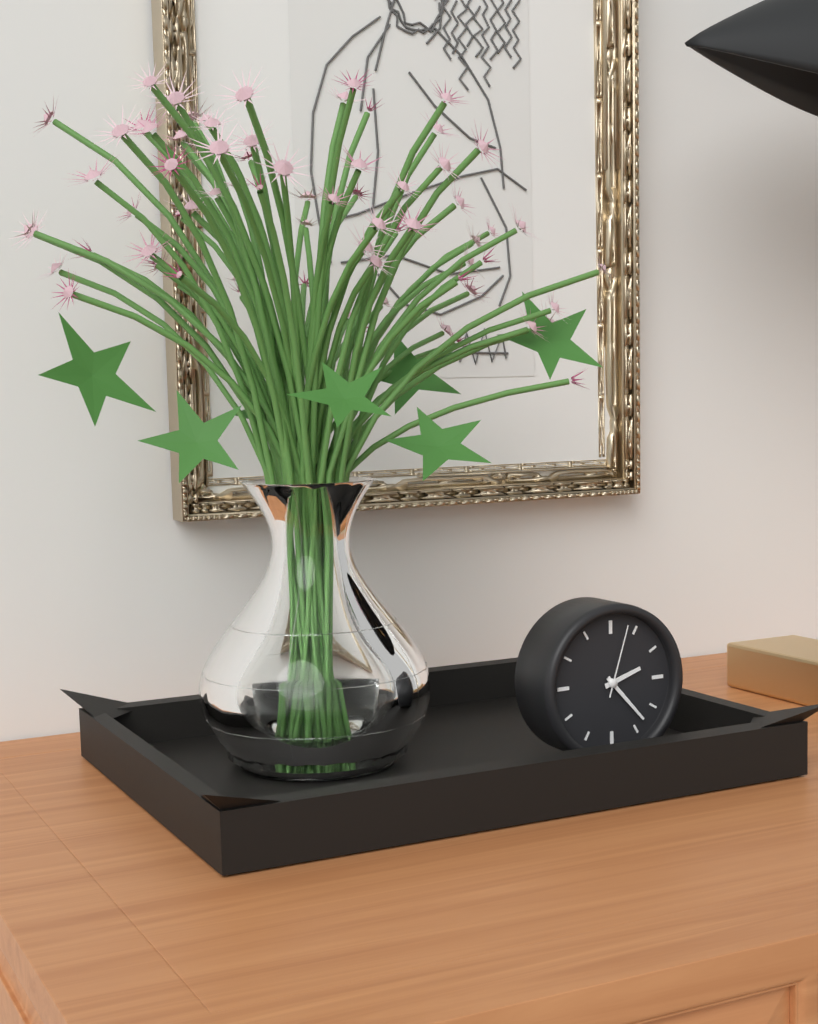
2:23:03
